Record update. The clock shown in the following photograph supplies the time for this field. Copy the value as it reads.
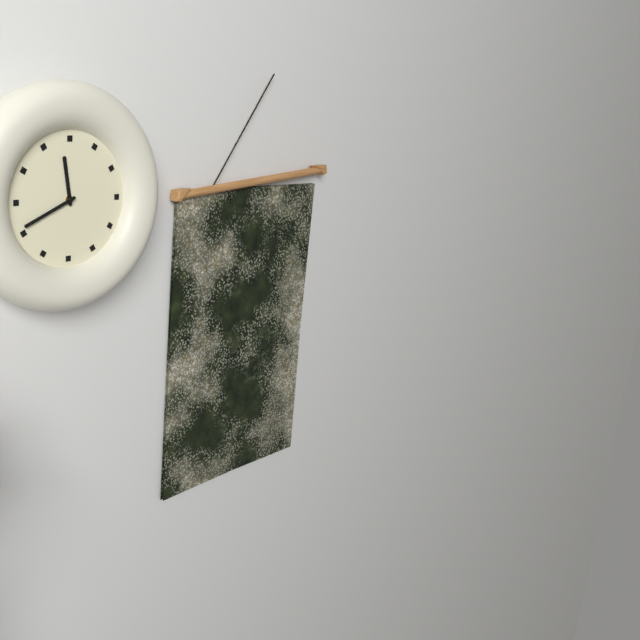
11:41
